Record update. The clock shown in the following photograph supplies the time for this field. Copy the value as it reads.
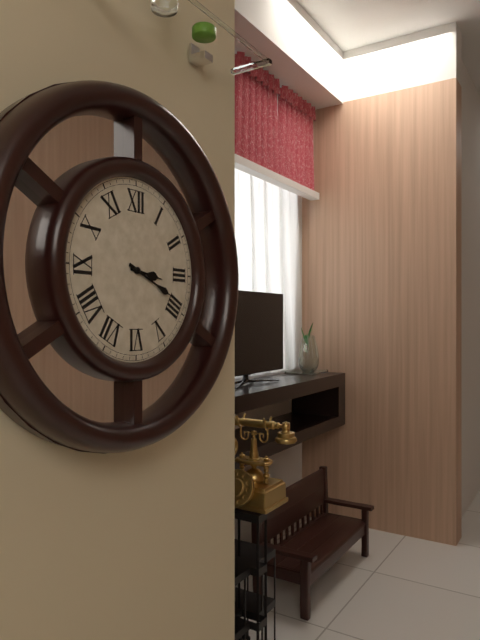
3:19
